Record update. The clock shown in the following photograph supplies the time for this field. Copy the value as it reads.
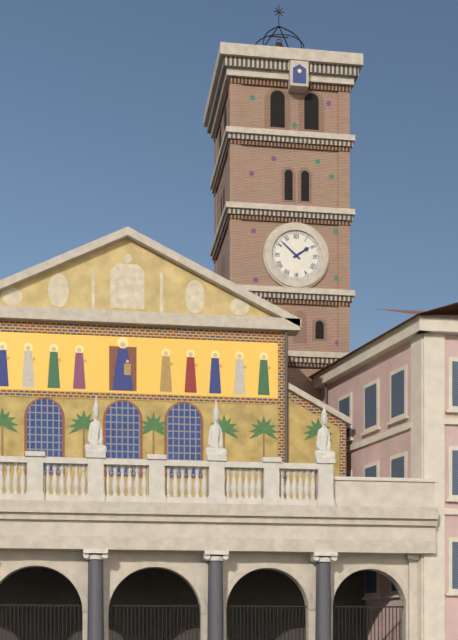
1:52
